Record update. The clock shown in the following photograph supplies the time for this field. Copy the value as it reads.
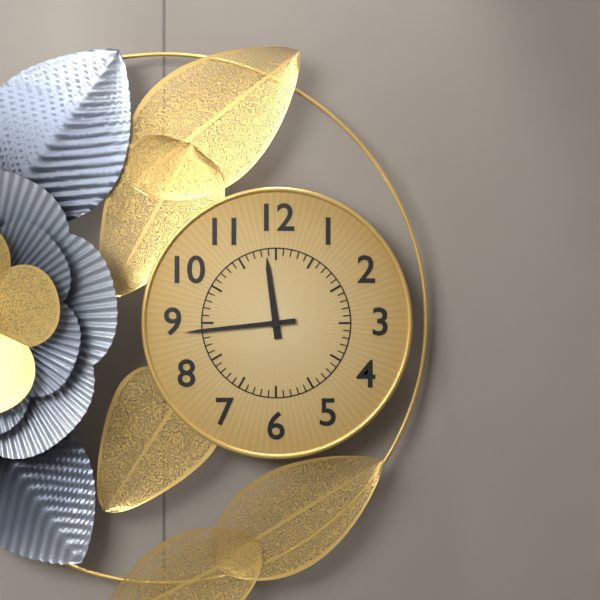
11:44
